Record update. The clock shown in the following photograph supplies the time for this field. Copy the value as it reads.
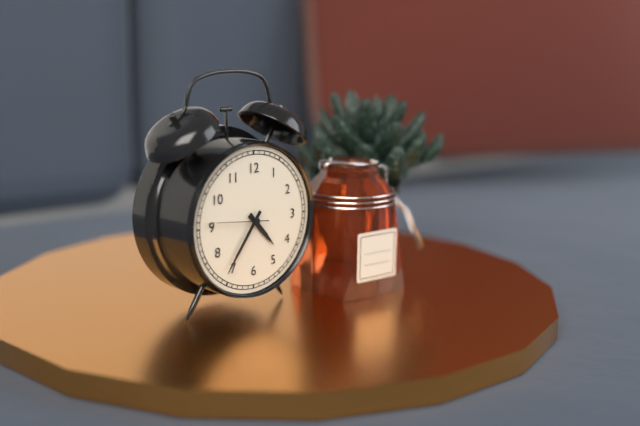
4:36:46
